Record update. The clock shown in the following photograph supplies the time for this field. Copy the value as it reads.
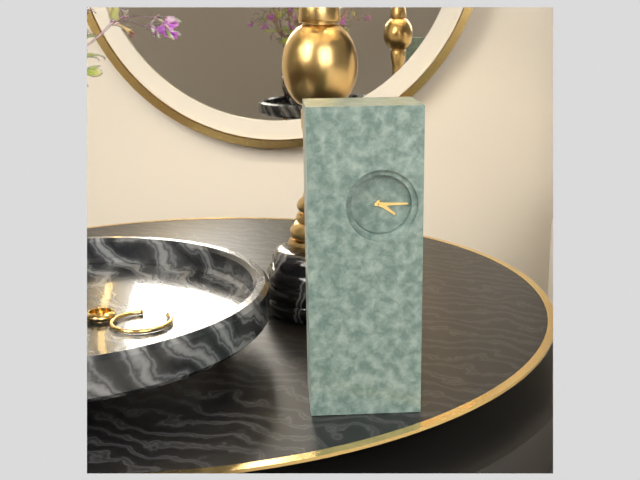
4:15
